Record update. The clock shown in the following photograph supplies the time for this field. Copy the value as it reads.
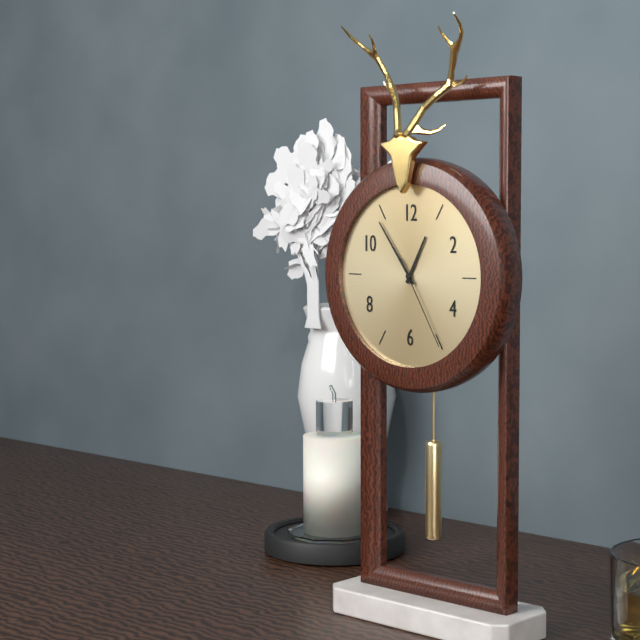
12:54:25
